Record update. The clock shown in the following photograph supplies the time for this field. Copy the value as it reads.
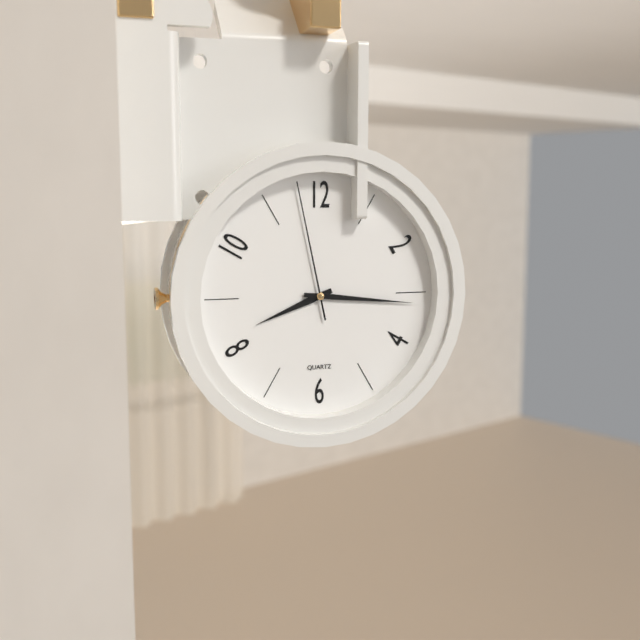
8:16:58
